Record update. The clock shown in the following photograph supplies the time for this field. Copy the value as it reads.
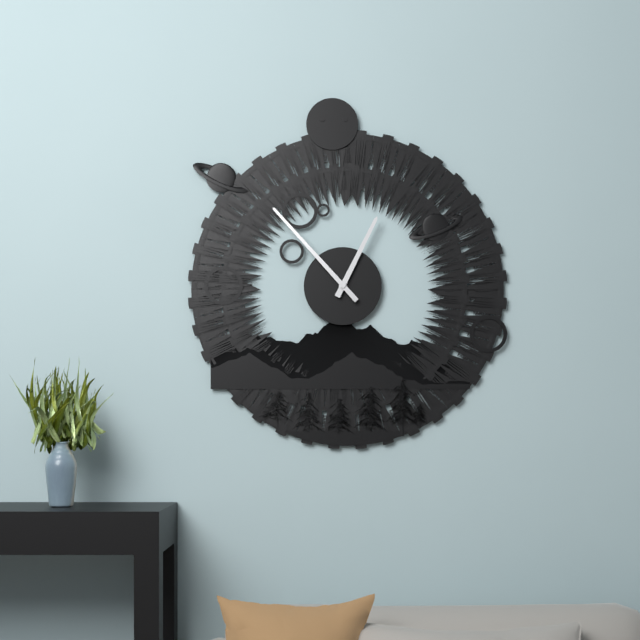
12:53
